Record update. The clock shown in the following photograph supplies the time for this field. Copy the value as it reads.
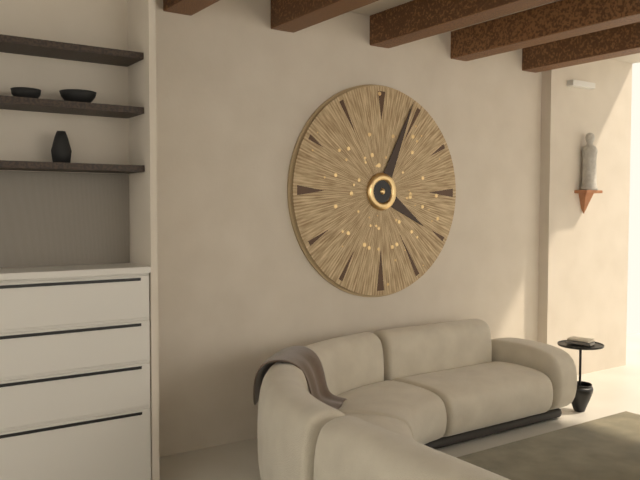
4:04
